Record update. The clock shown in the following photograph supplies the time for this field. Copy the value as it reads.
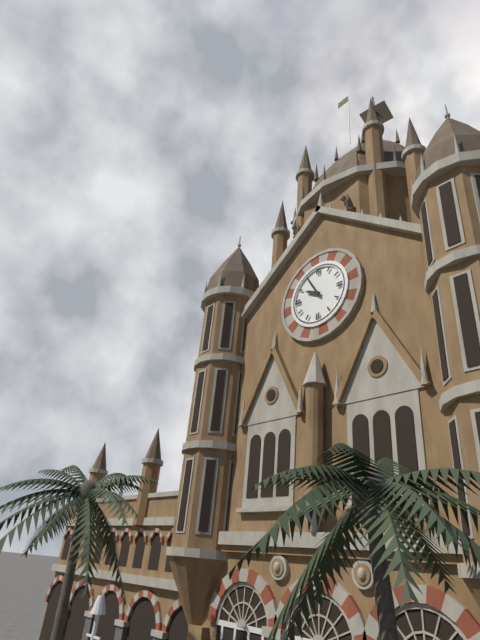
9:55
